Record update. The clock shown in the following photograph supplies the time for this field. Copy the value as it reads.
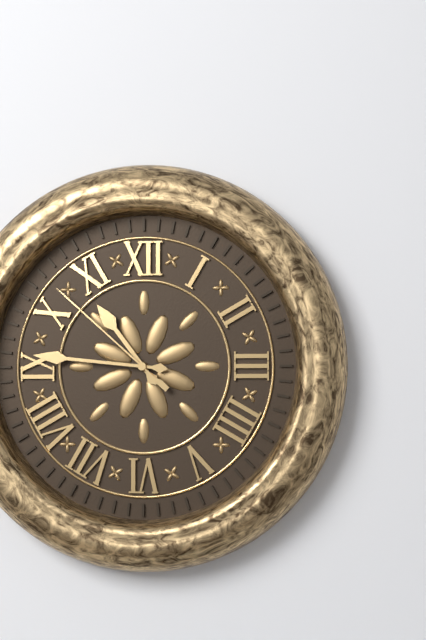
10:46:52
